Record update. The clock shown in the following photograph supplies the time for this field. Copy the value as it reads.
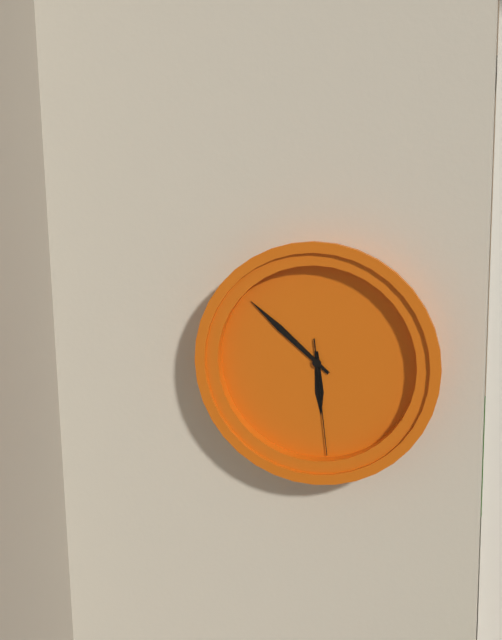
5:52:29
